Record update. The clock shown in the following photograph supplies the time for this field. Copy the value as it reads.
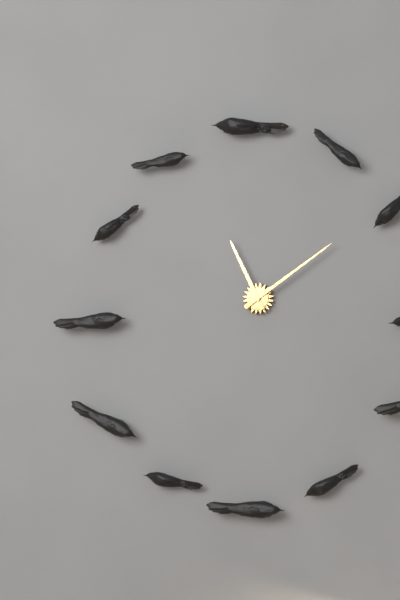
11:09
